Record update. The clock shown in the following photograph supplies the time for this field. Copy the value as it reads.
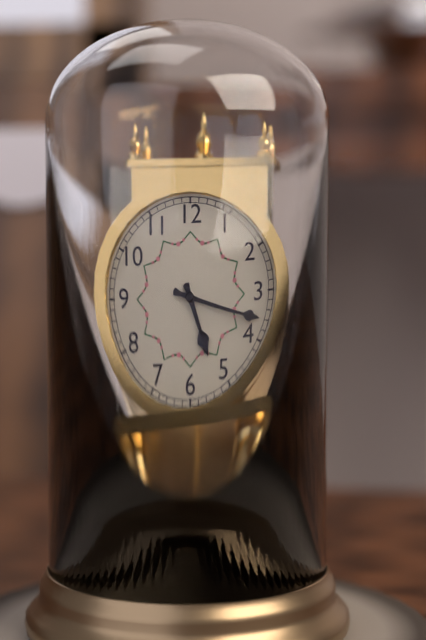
5:18
